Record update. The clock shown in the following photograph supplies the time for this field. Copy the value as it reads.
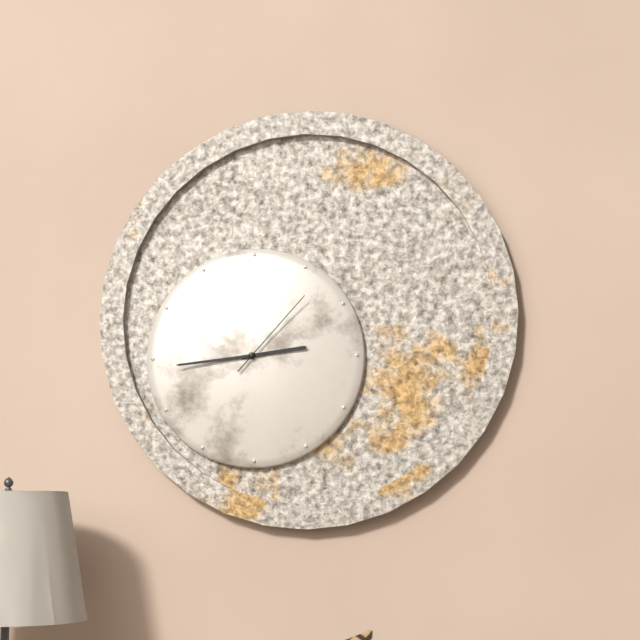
2:44:07
